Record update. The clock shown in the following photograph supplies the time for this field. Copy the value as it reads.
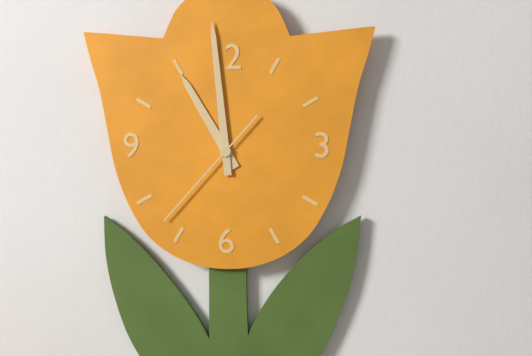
10:59:37
